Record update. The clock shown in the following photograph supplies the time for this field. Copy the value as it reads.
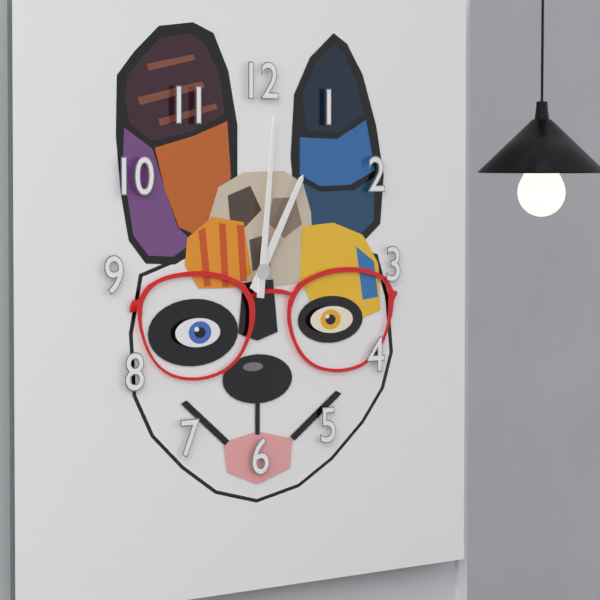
1:01
